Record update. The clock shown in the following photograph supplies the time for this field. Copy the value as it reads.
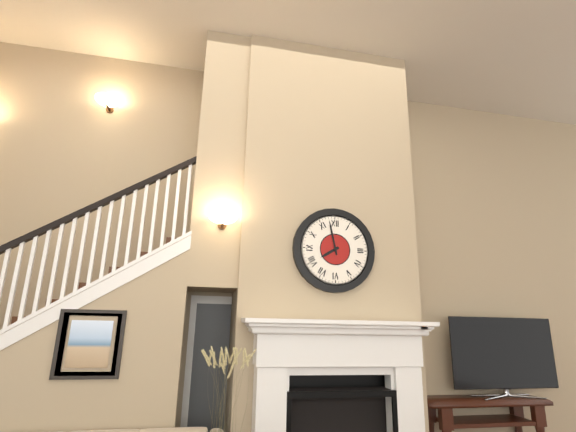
7:58
